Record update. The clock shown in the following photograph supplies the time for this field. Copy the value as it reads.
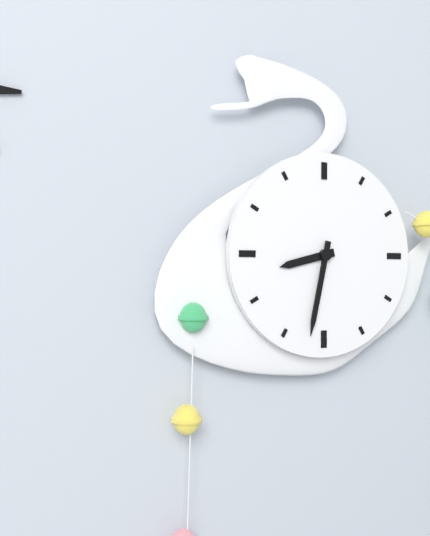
8:32
